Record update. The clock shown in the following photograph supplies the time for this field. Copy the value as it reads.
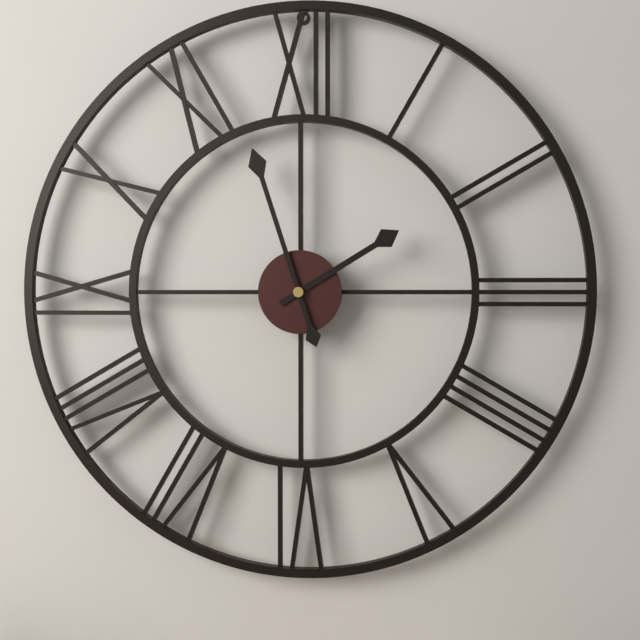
1:57
